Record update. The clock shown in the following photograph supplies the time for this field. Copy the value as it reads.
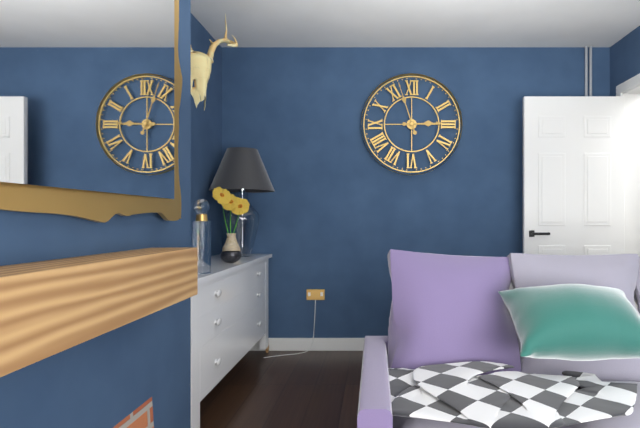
2:57
